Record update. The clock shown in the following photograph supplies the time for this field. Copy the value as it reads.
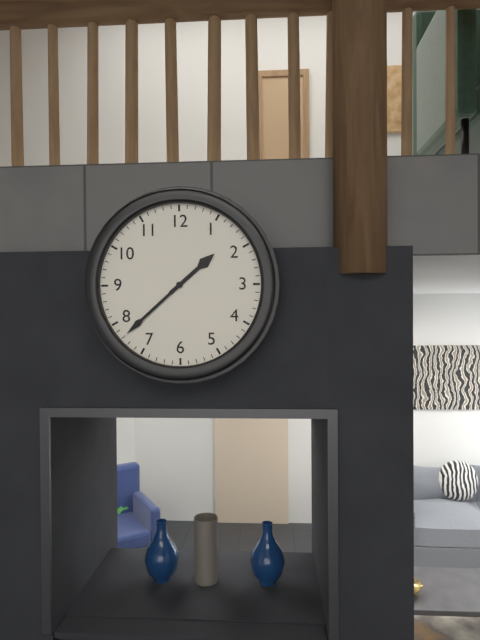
1:38
